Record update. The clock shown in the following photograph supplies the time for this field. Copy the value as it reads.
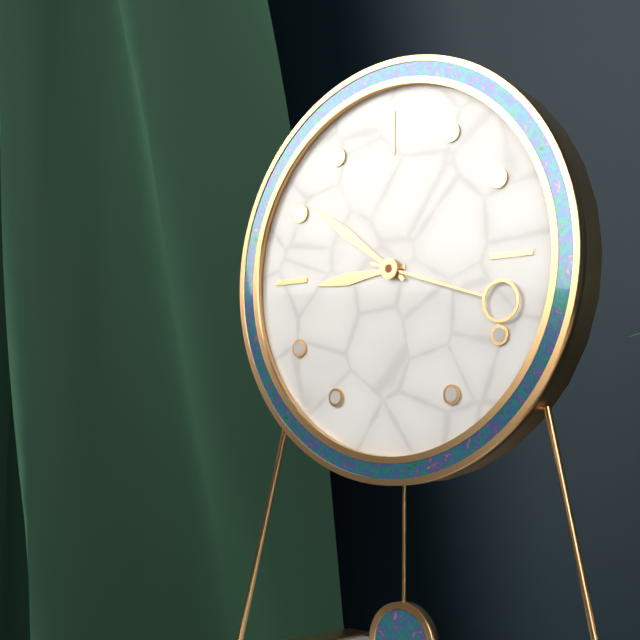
8:51:18
